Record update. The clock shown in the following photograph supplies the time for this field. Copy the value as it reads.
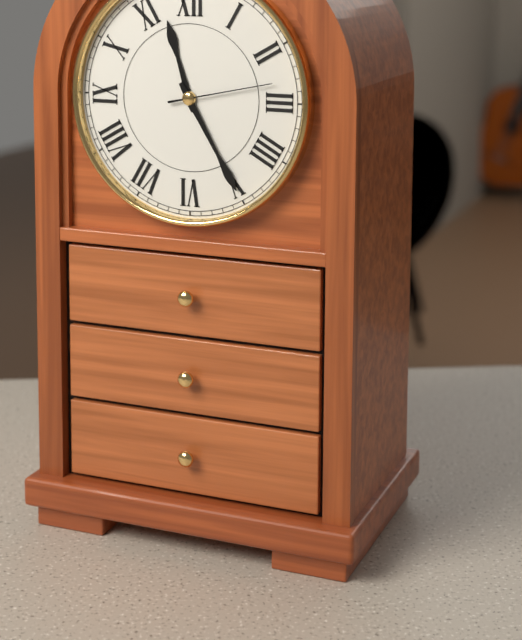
11:25:13
